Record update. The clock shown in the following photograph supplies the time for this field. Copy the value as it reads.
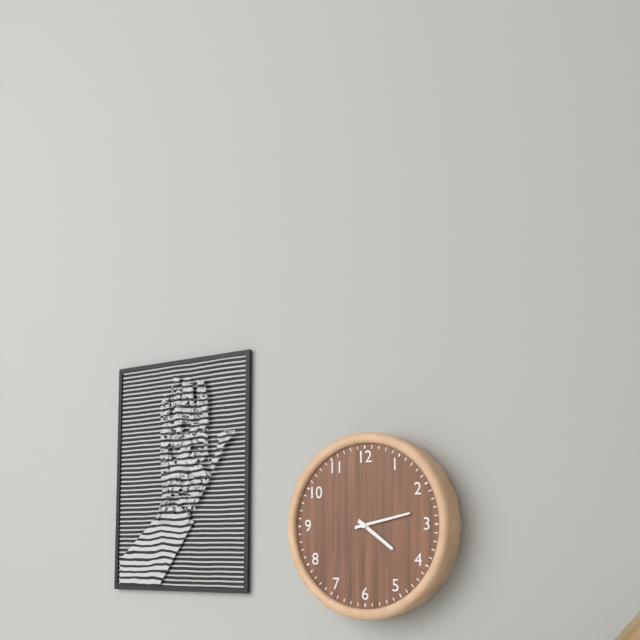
4:13
